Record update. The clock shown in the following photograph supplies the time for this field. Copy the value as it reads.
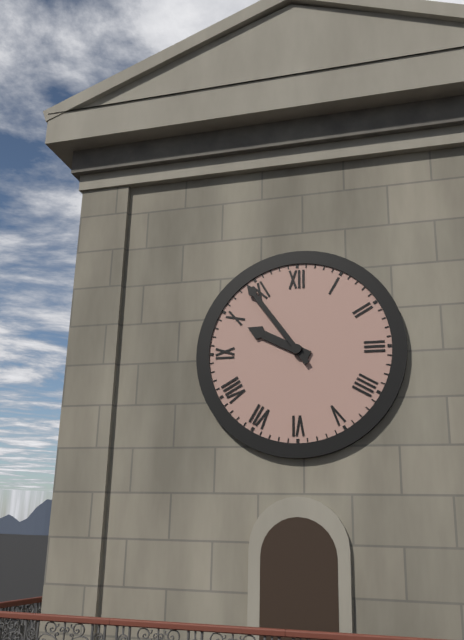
9:54
